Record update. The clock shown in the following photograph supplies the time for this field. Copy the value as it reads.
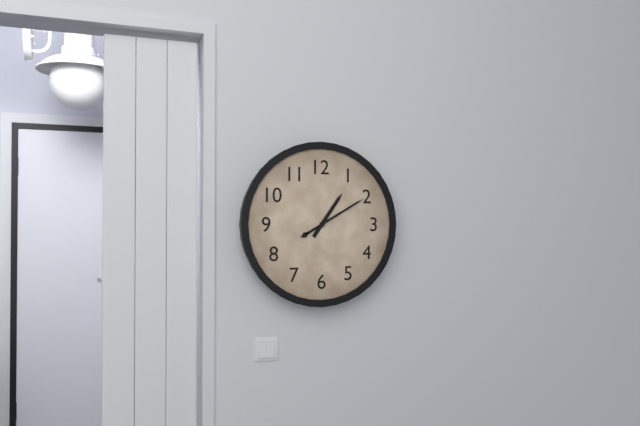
1:10
